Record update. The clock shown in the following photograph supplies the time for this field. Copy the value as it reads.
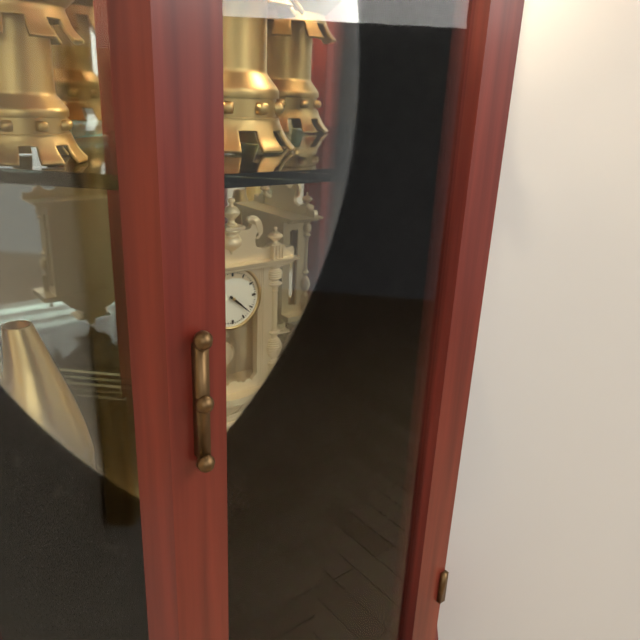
4:22
